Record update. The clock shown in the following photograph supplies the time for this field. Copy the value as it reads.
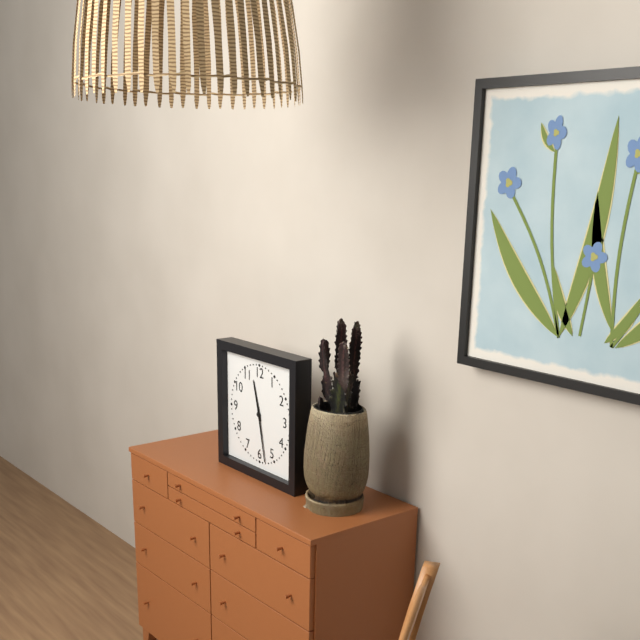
11:28
